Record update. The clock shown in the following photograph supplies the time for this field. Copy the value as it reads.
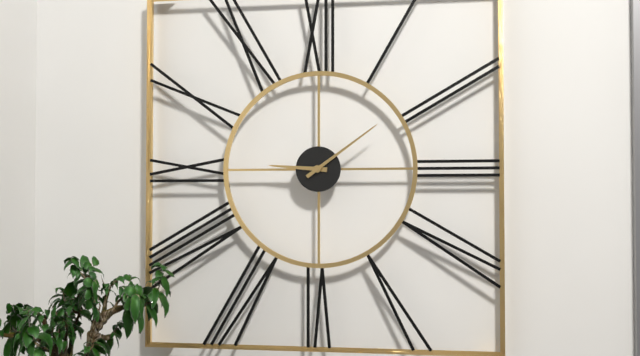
9:09
